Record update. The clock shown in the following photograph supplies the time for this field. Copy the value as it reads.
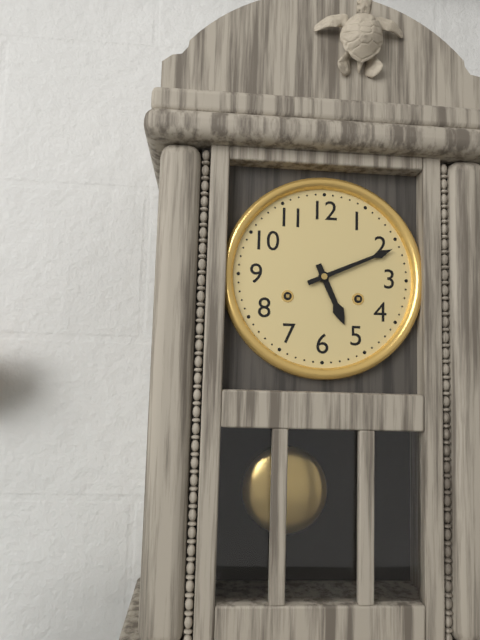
5:11
